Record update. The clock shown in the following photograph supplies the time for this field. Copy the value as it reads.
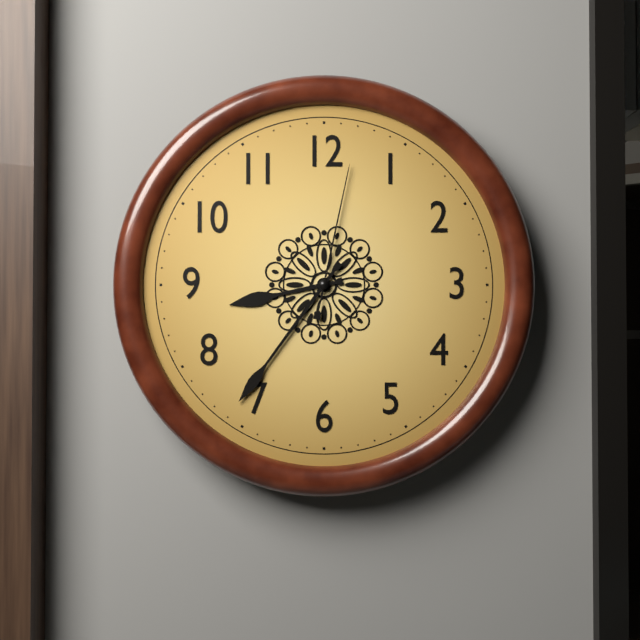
8:36:02
